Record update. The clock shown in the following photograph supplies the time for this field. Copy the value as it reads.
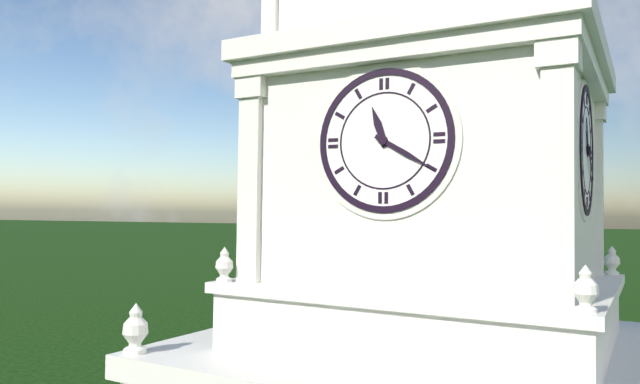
11:20
